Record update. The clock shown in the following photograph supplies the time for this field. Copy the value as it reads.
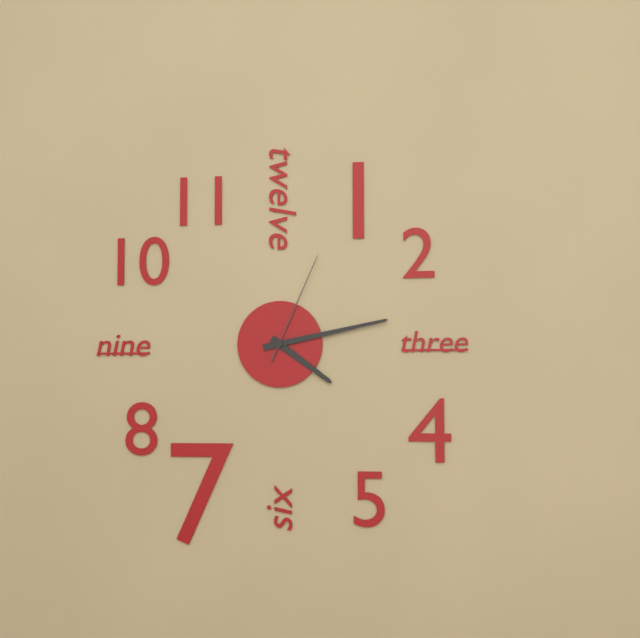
4:13:04
